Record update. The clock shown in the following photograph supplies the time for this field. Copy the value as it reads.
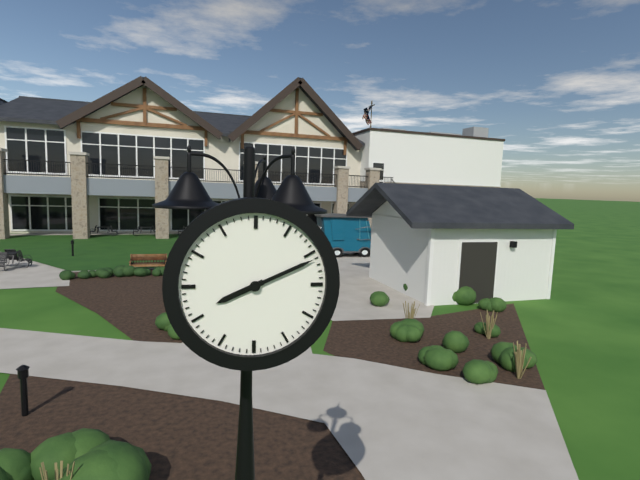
8:11
